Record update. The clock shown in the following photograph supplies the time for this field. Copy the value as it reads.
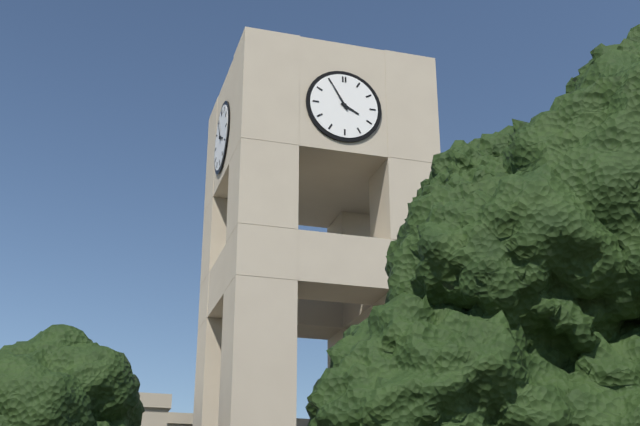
3:55
